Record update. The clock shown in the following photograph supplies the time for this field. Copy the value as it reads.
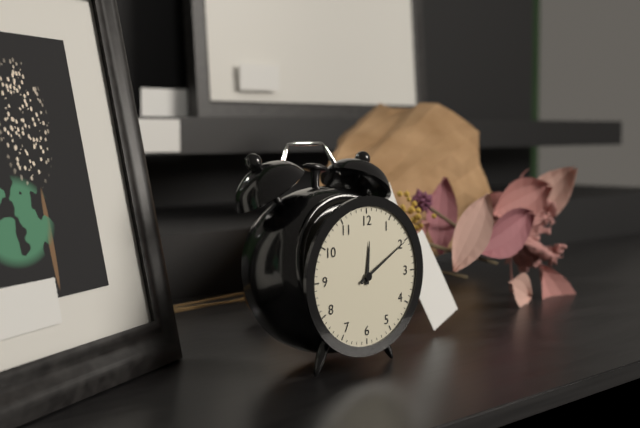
12:10
